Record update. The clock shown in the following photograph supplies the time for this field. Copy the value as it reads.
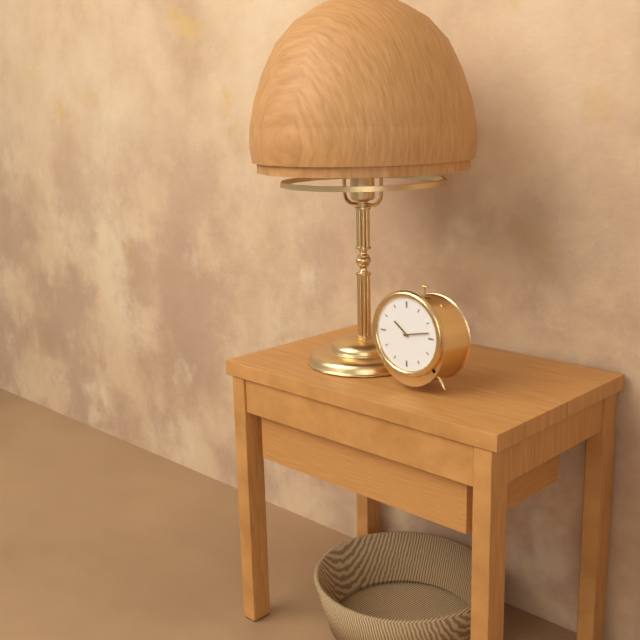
10:13
